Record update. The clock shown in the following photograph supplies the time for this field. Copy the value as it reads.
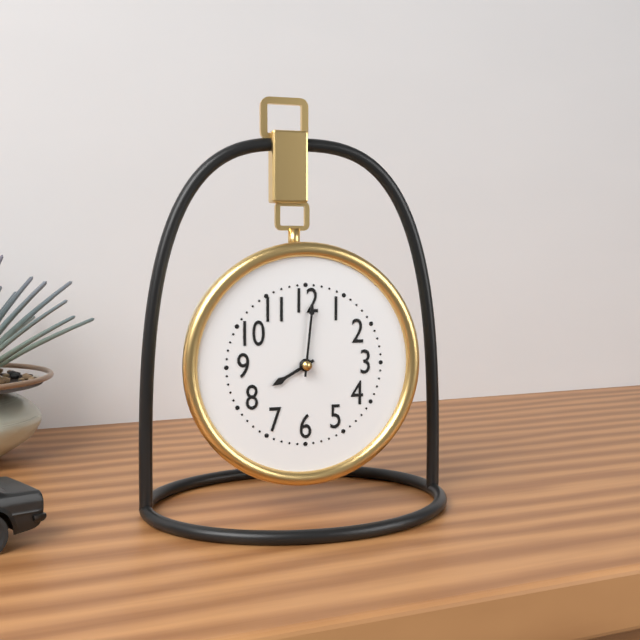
8:01
